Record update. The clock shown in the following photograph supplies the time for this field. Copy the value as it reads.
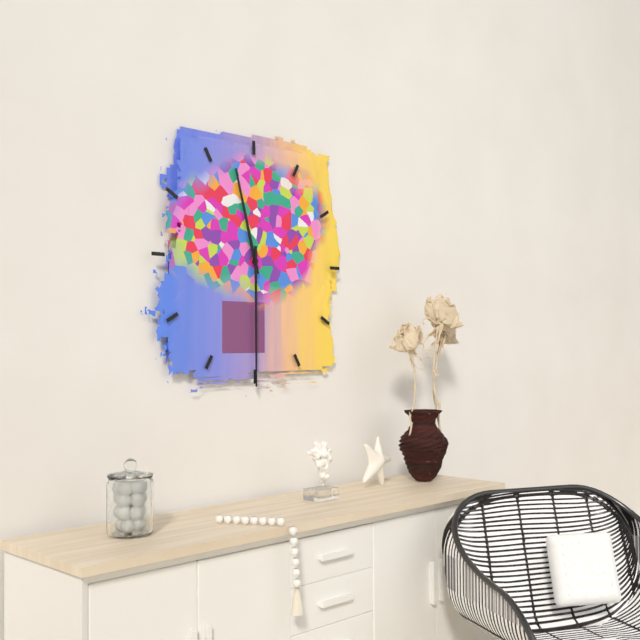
11:30
